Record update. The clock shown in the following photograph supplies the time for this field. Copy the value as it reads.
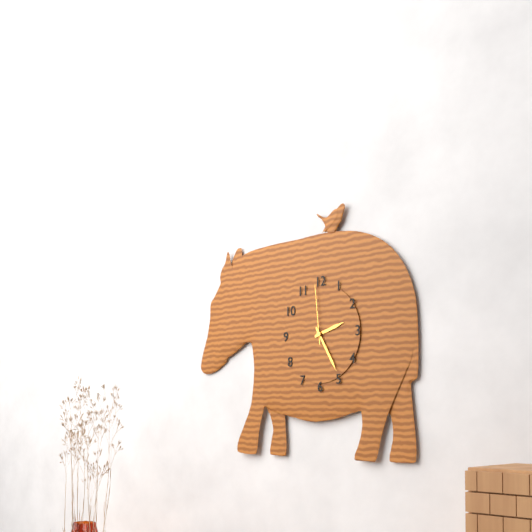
2:25:59
